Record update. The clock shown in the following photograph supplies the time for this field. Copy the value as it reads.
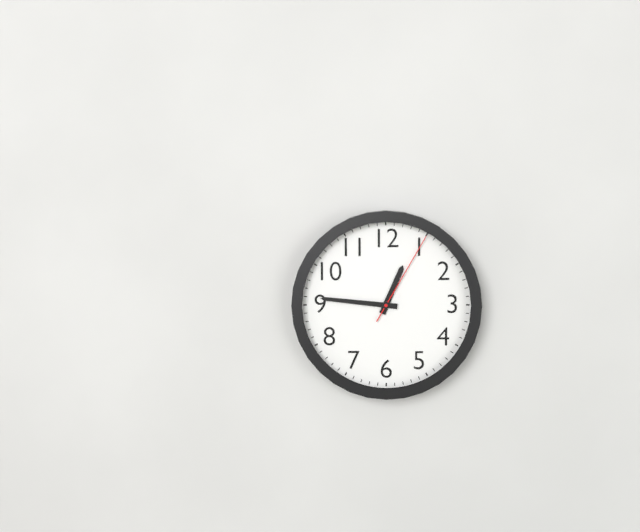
12:46:05
